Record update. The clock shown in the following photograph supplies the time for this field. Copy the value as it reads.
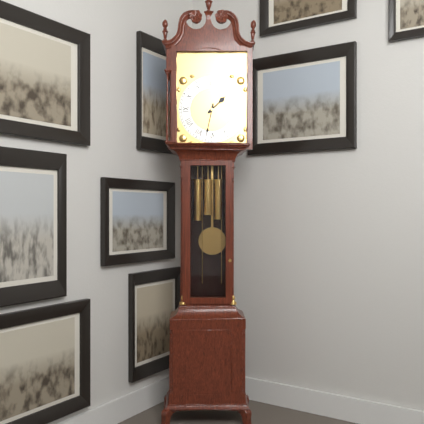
1:32
